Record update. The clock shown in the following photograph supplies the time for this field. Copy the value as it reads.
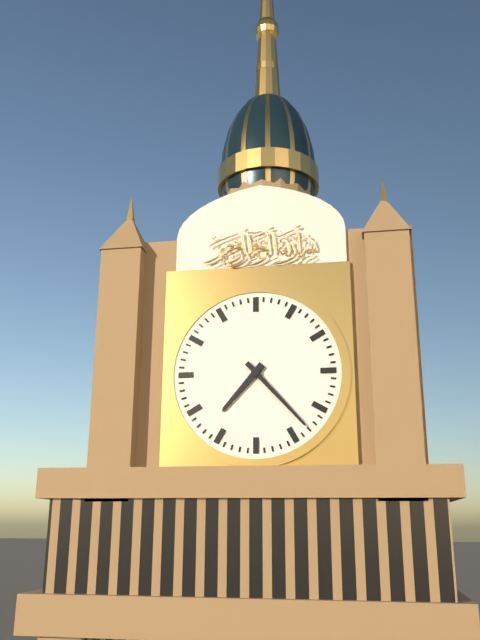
7:23
